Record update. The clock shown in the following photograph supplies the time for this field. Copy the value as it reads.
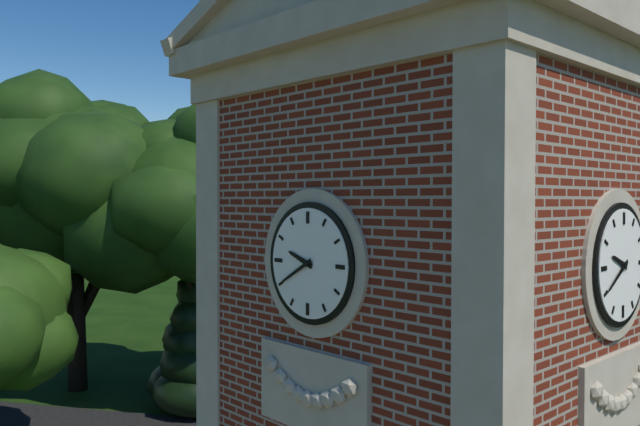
9:40
